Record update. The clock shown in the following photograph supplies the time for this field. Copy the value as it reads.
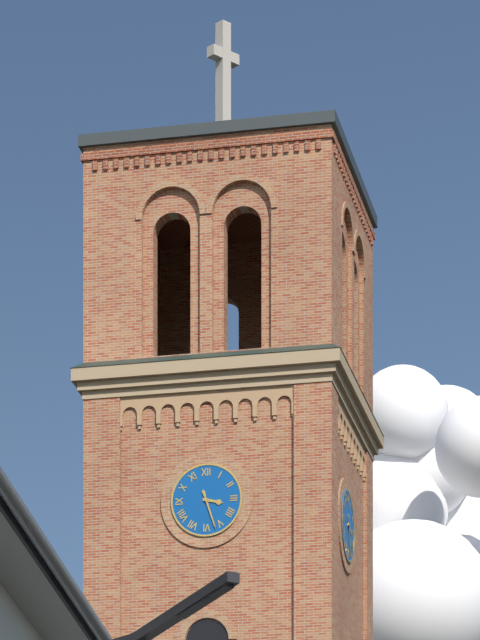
3:27
